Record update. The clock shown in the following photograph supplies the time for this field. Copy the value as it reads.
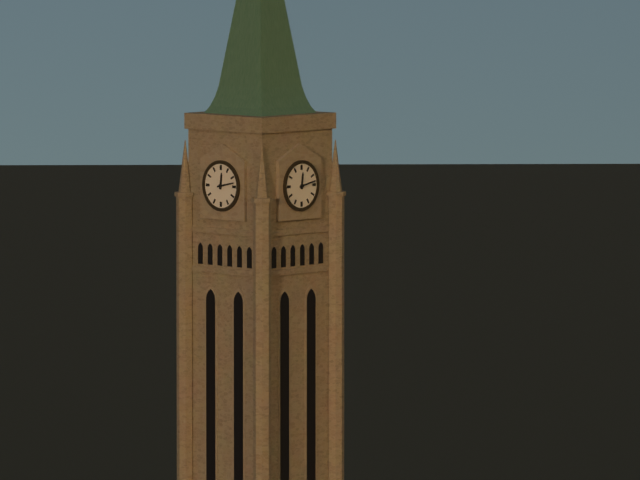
12:13
